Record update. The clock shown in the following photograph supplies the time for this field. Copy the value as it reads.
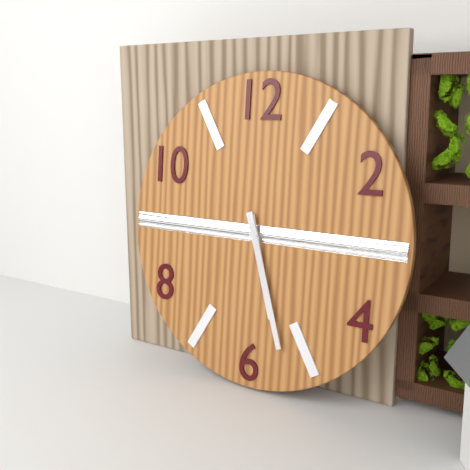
5:27
